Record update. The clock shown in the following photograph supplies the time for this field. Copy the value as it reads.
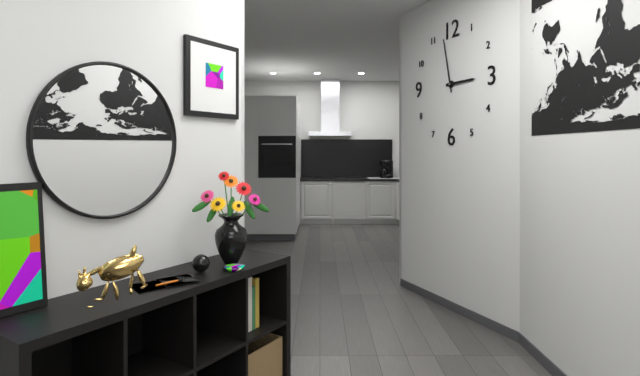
2:58
